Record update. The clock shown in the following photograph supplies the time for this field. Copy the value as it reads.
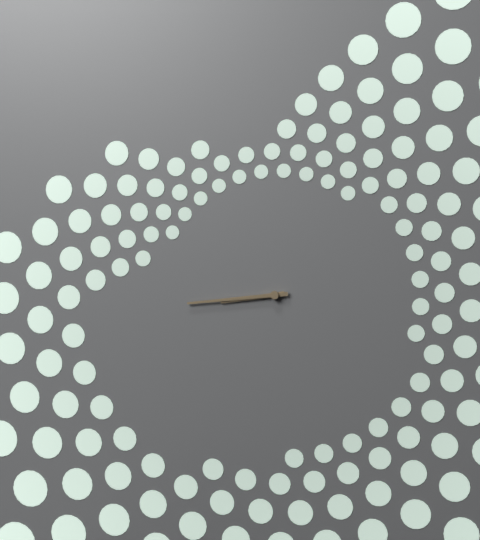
8:44
